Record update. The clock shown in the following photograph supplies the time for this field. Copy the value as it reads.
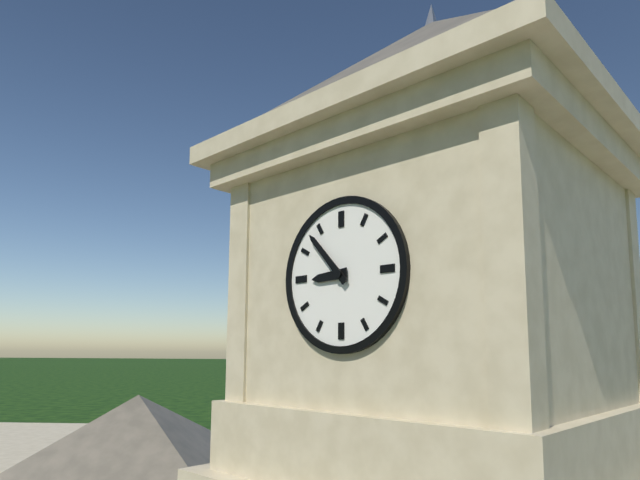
8:53
